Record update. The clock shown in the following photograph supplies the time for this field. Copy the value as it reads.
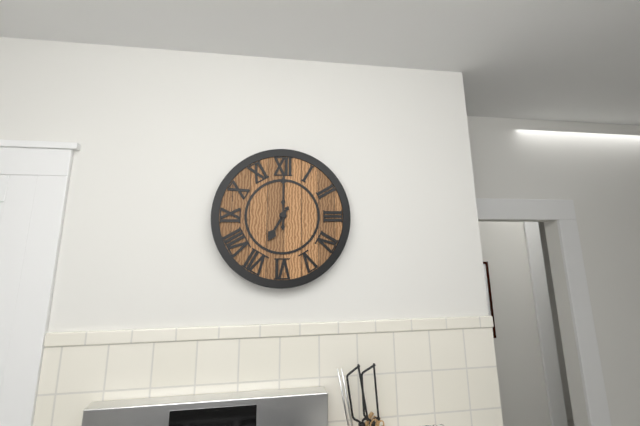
7:00
